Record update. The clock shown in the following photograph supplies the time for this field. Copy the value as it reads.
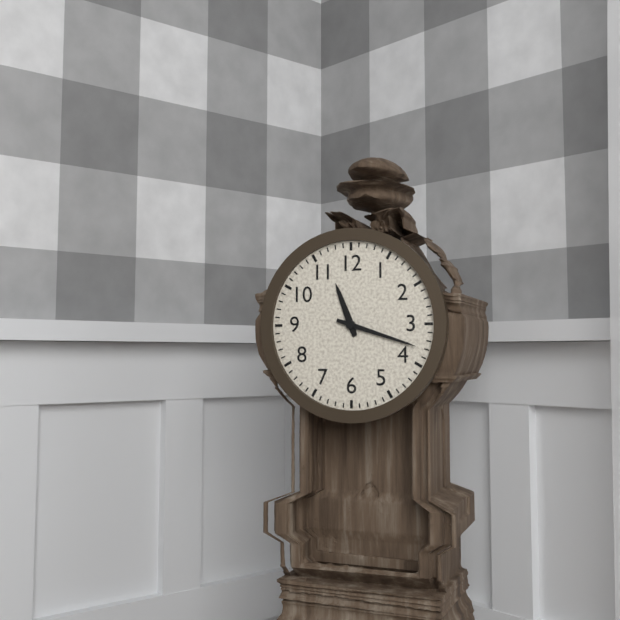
11:18
